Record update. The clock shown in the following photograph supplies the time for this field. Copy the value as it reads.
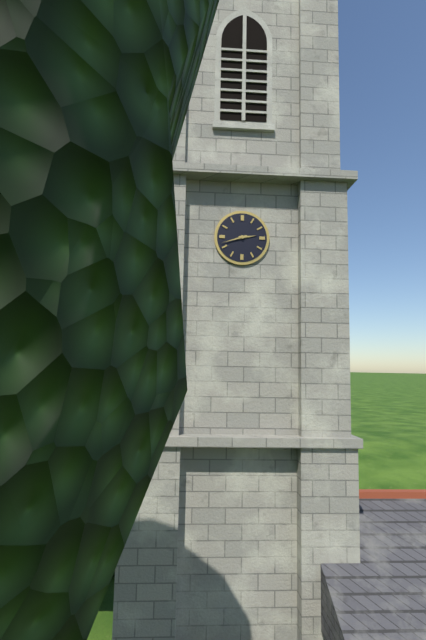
2:42
